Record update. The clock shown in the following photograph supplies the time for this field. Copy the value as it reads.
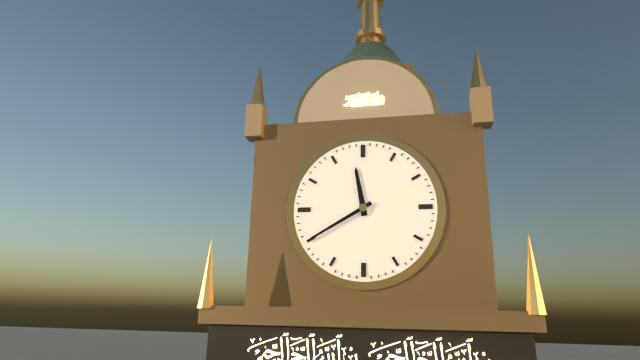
11:40
